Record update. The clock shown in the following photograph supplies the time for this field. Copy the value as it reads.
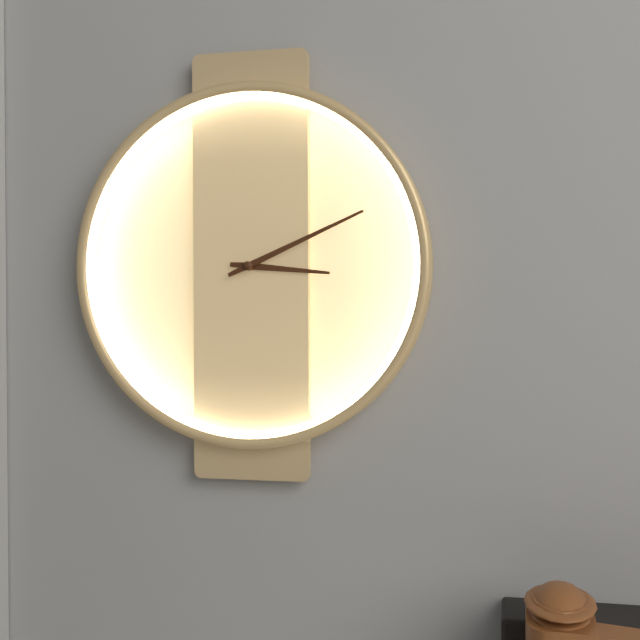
3:11
